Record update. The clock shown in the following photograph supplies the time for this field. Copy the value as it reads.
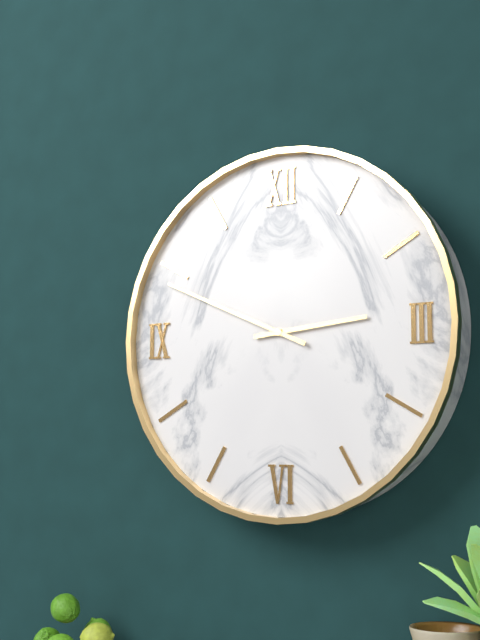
2:49
